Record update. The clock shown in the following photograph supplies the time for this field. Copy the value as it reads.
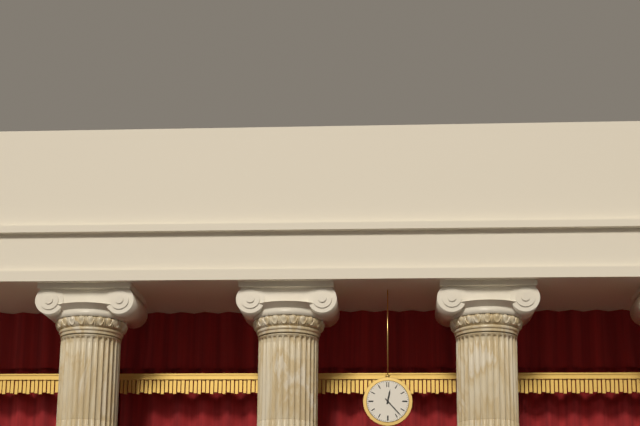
12:23
